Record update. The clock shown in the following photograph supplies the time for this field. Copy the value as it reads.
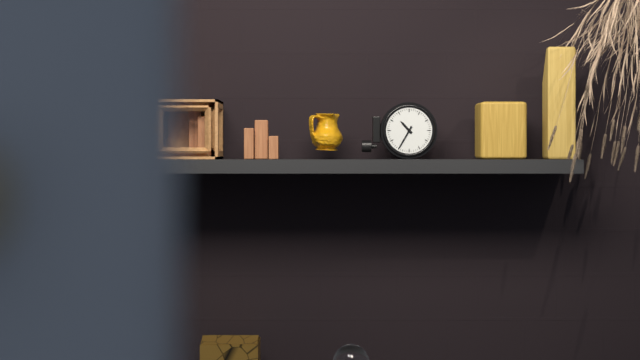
10:35
